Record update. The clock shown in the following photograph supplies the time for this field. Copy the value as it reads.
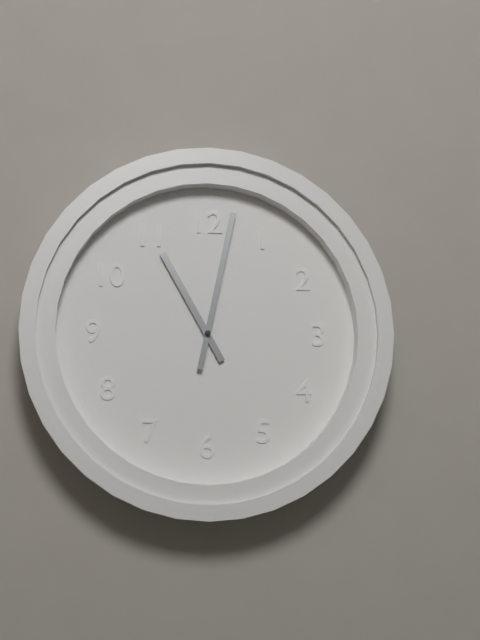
11:02
